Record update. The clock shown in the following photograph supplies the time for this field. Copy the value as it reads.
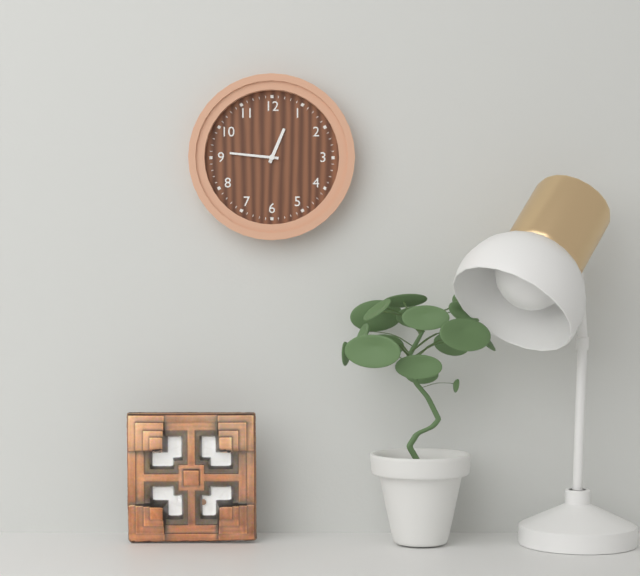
12:46
